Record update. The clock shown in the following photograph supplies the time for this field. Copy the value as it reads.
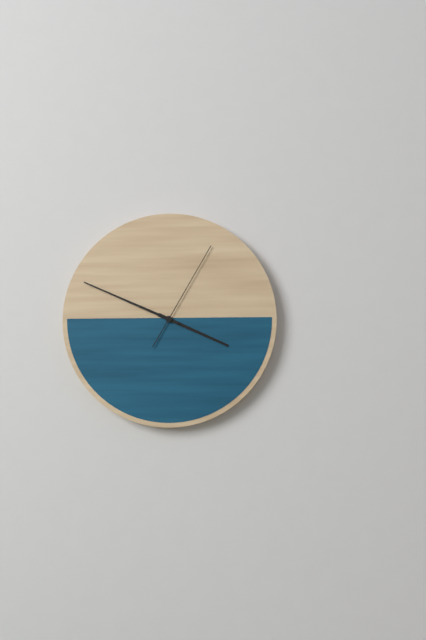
3:49:05
